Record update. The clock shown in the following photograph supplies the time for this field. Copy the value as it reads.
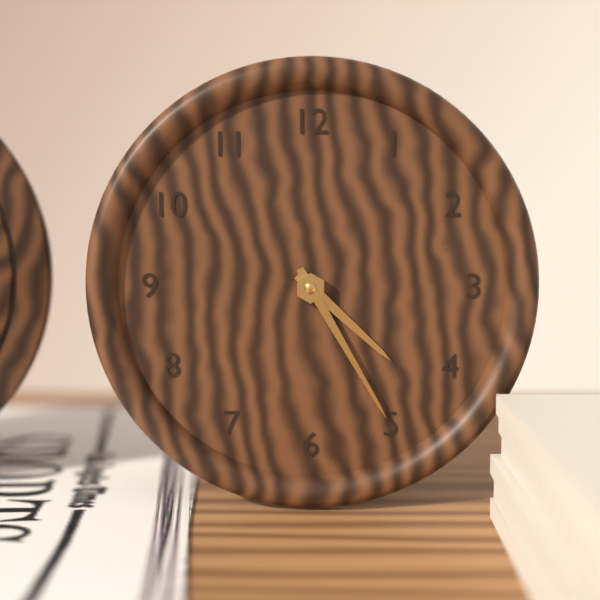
4:25
